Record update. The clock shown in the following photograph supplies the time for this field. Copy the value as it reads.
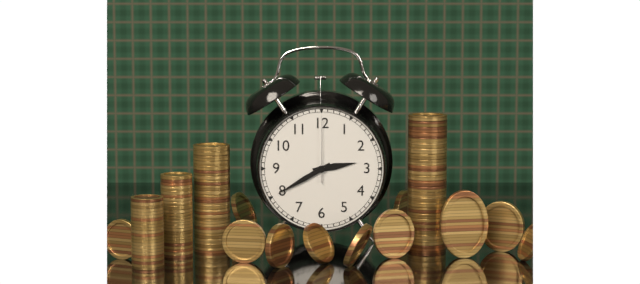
2:40:00
